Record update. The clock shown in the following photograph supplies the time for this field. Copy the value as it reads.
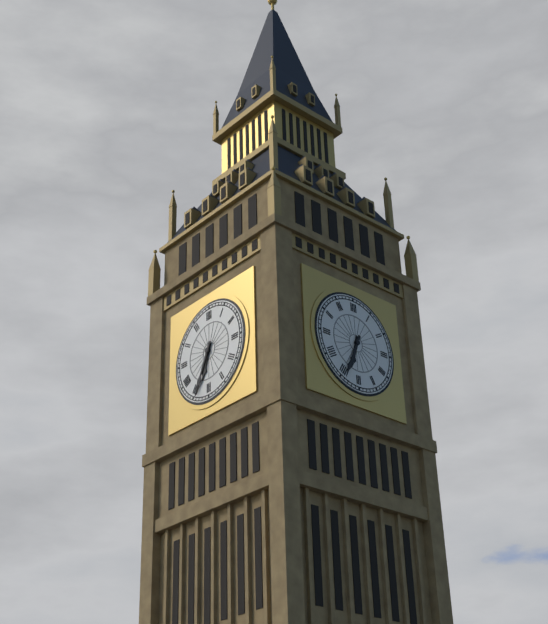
6:34
